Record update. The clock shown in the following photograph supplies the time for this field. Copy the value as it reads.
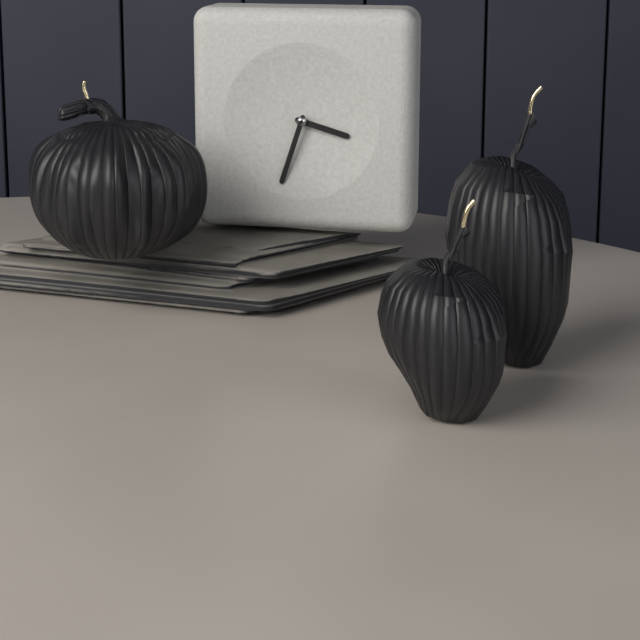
3:33
